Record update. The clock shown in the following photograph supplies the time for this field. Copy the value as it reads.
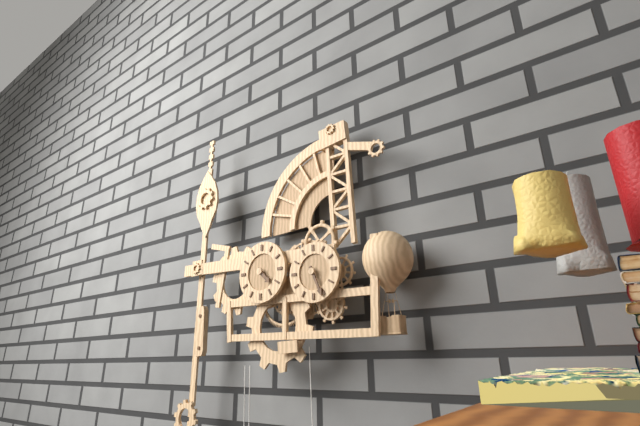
4:26
